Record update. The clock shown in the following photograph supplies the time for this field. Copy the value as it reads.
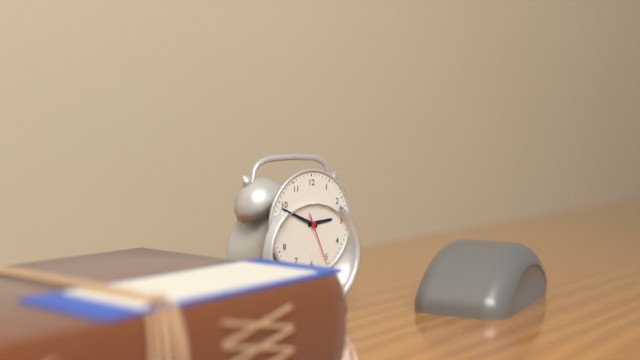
2:49:26
